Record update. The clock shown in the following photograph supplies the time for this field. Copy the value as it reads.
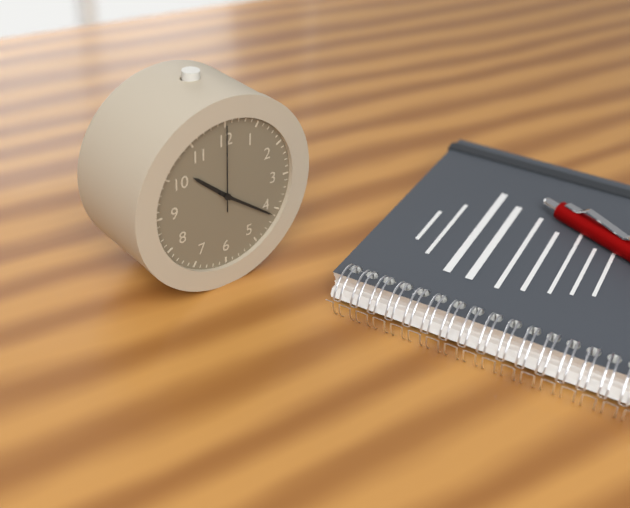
10:21:00
